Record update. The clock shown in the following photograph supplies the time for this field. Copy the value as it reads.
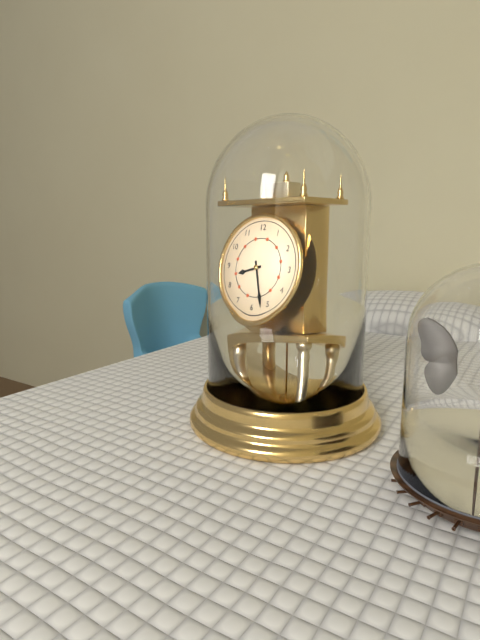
8:27
